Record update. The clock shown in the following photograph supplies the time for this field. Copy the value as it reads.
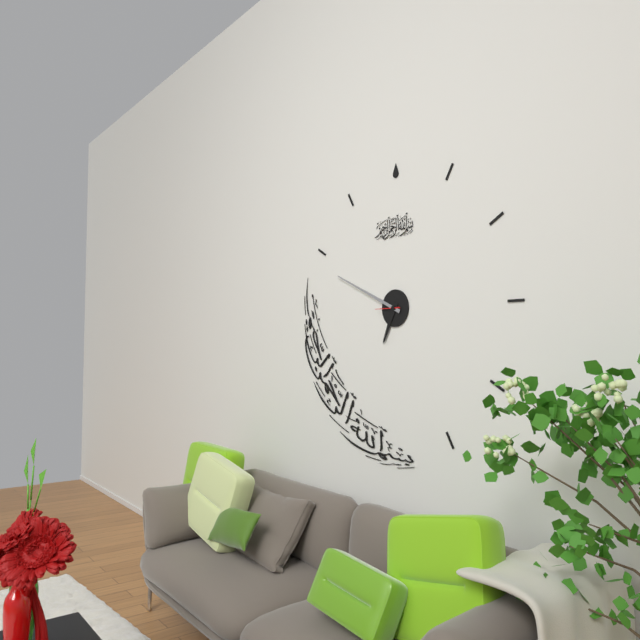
6:49
